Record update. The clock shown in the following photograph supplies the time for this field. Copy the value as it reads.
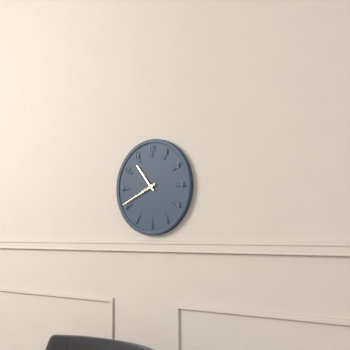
10:41
